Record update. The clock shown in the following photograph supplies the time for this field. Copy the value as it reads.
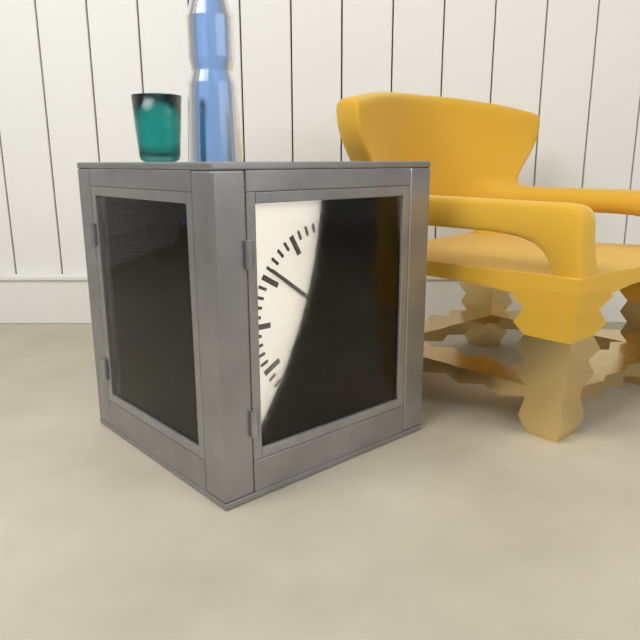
7:51
